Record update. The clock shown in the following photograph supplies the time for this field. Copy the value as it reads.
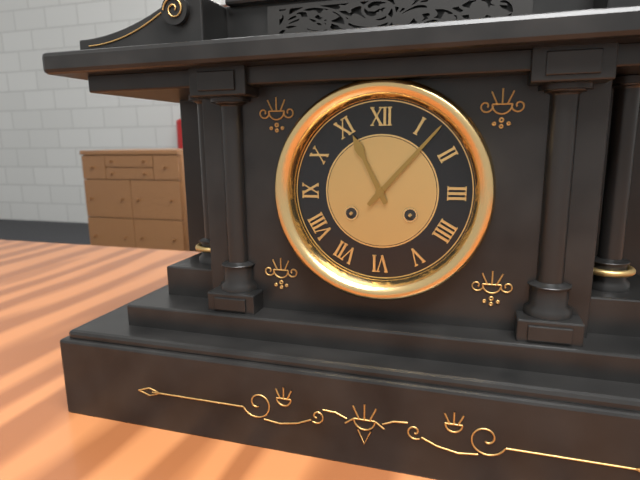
11:07
